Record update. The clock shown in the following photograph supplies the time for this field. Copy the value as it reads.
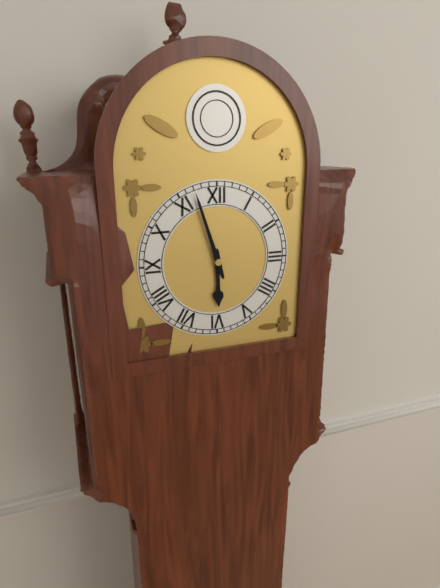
5:57
